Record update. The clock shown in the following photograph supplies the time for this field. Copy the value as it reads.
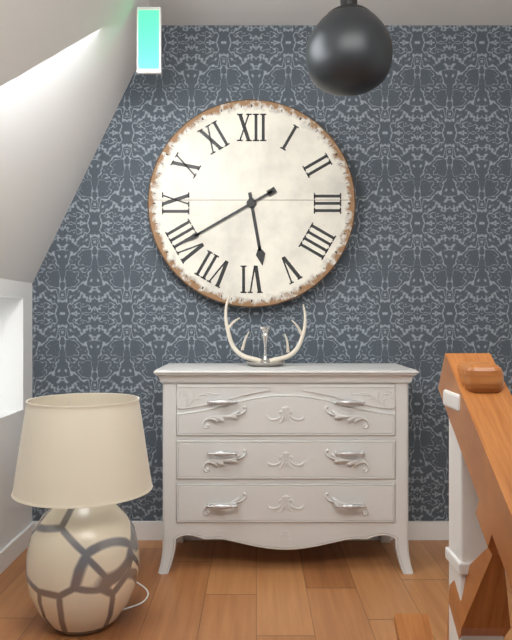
5:40
